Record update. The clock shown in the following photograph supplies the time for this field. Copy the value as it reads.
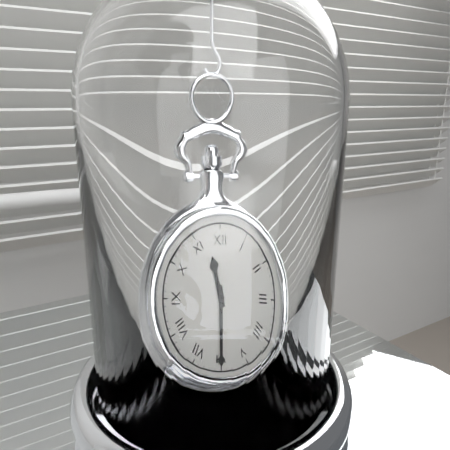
11:30
